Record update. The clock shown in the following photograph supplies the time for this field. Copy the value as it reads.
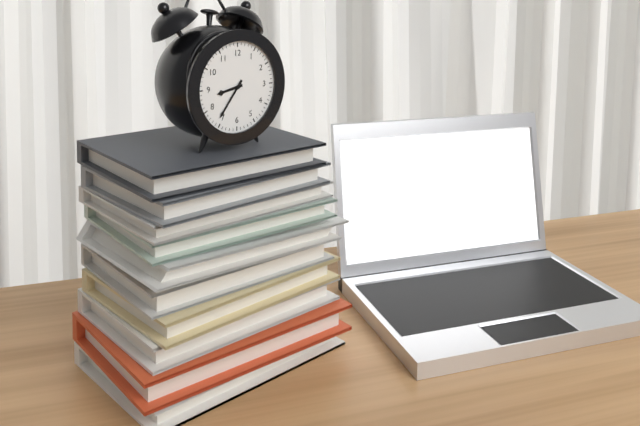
8:36
